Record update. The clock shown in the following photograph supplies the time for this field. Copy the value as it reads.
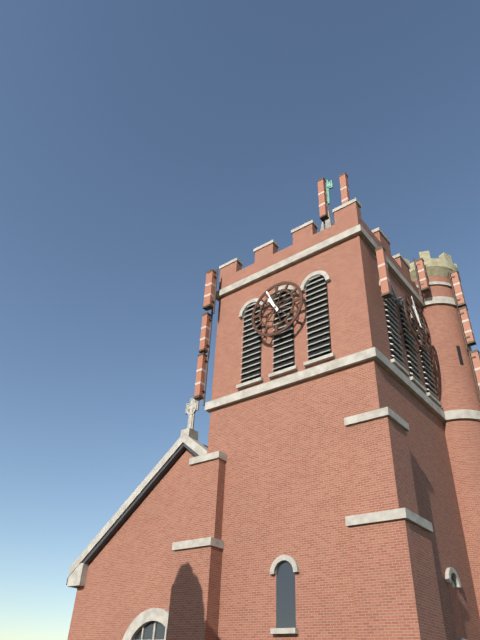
10:56
